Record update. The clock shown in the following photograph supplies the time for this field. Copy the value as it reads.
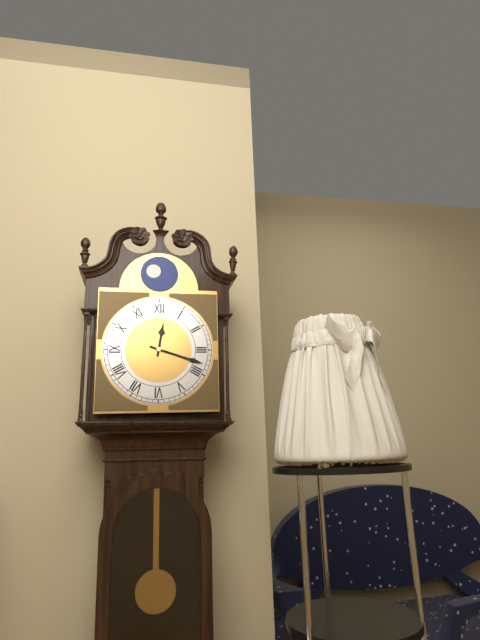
12:18
